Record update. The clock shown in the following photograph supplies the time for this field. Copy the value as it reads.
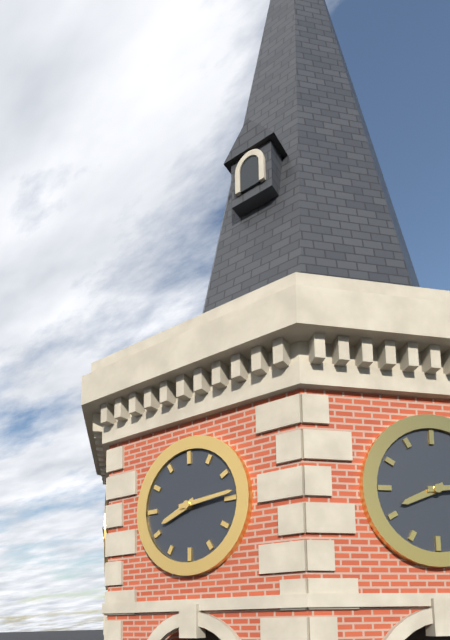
8:14
